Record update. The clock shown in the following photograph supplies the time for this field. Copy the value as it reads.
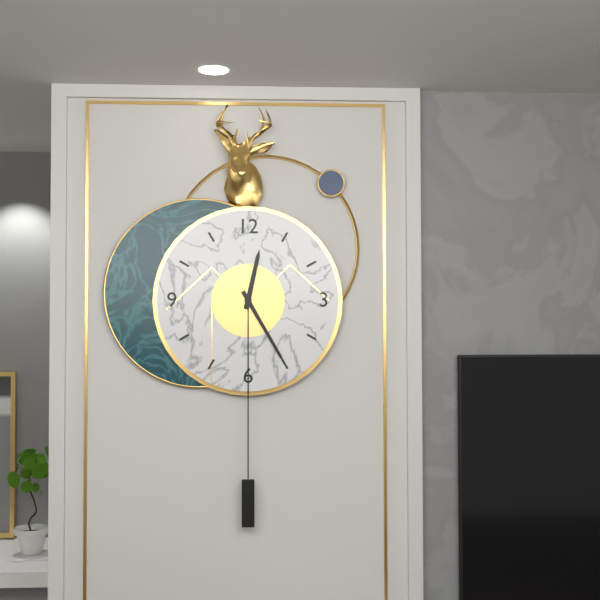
12:25
